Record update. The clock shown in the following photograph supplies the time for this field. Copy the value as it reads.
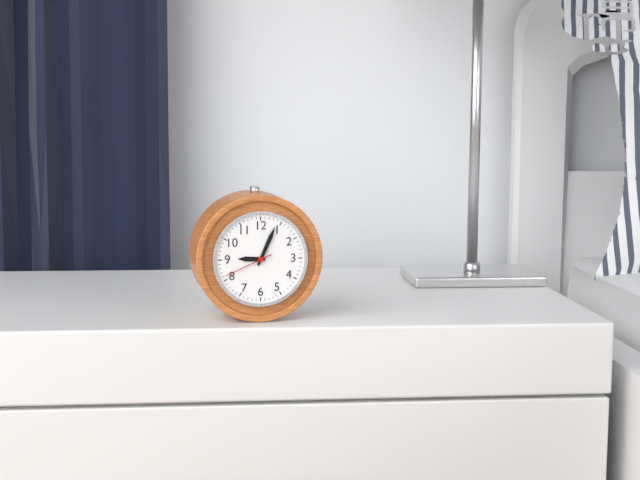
9:04
